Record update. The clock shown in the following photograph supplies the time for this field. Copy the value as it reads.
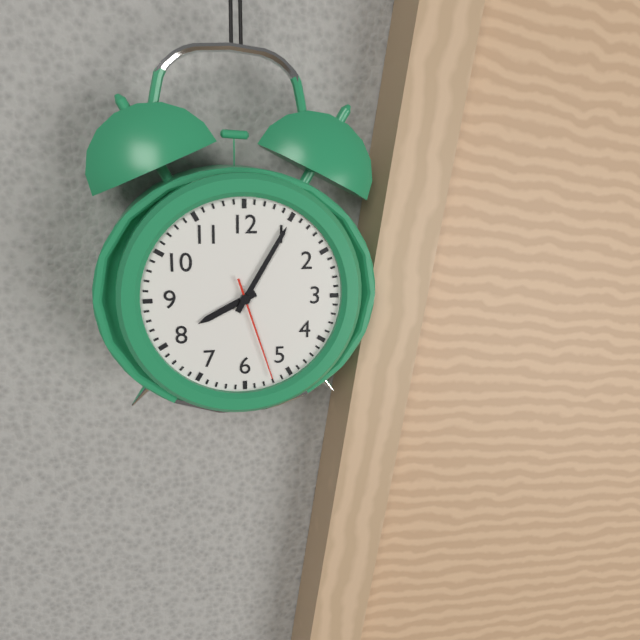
8:05:27
